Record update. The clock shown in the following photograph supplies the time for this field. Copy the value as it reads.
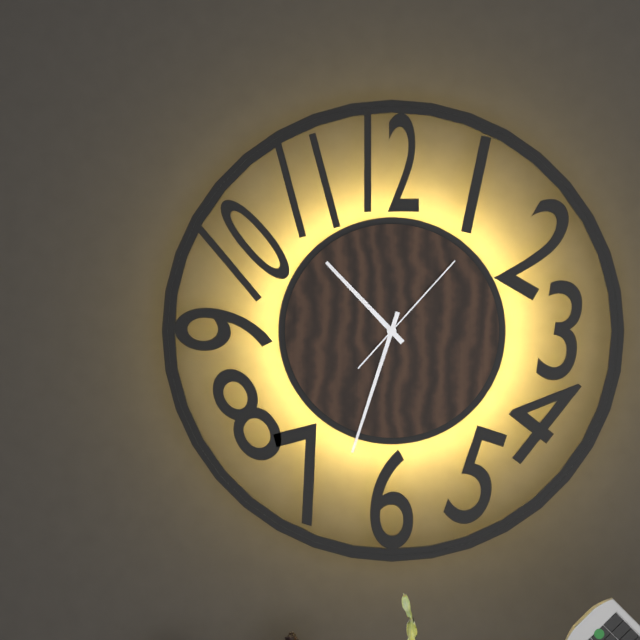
10:33:07
